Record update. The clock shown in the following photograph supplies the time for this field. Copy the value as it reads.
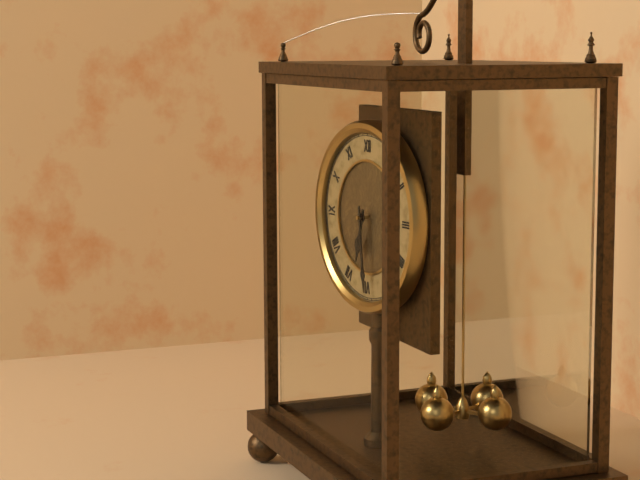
6:29
